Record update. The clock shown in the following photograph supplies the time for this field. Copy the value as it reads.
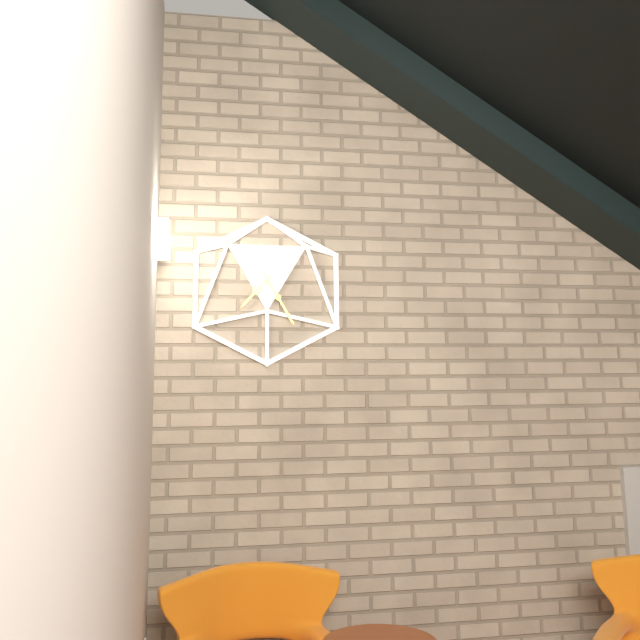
7:25
